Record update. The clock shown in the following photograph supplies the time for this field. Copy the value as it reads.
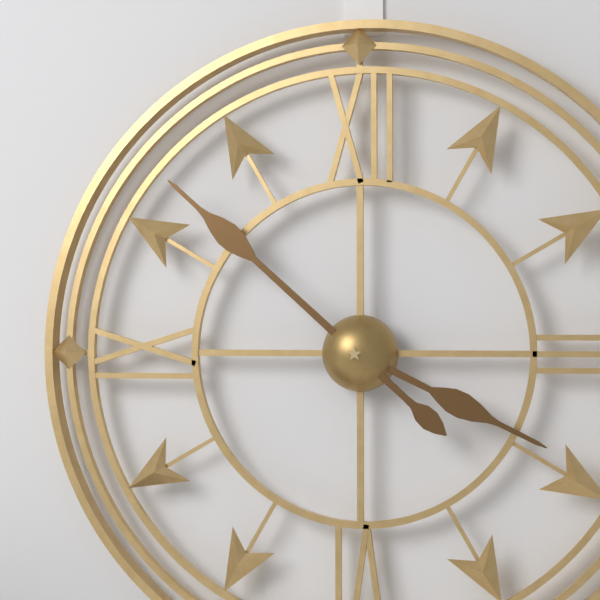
3:52
